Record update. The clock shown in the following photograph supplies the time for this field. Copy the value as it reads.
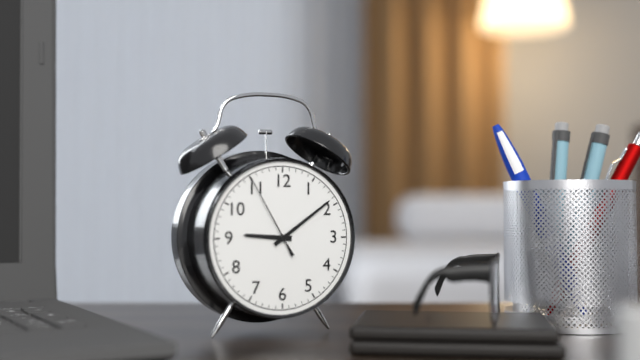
9:09:55
